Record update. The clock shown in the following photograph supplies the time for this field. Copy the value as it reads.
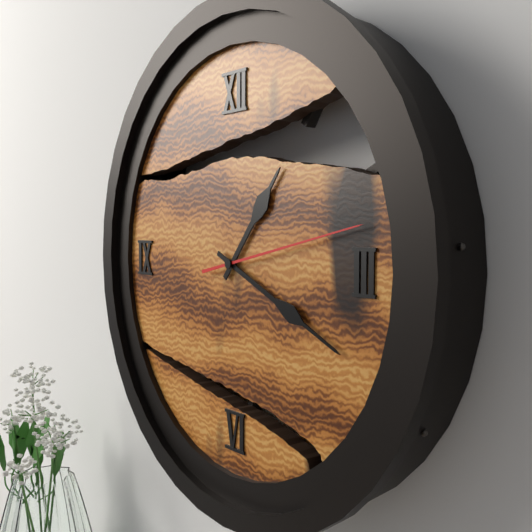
1:19:13
